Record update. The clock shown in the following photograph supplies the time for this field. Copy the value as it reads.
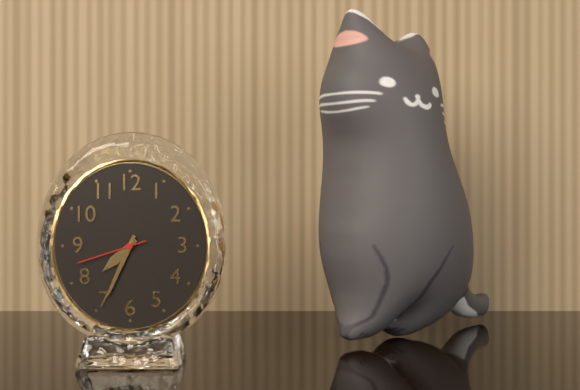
7:34:42
